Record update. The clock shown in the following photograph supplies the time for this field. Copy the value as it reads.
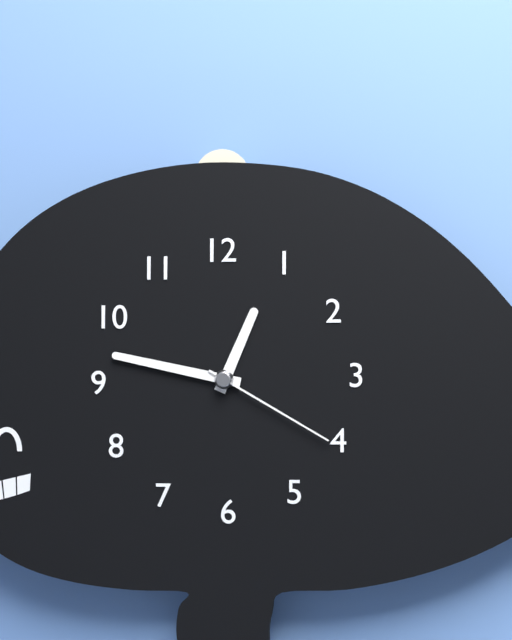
12:47:20
